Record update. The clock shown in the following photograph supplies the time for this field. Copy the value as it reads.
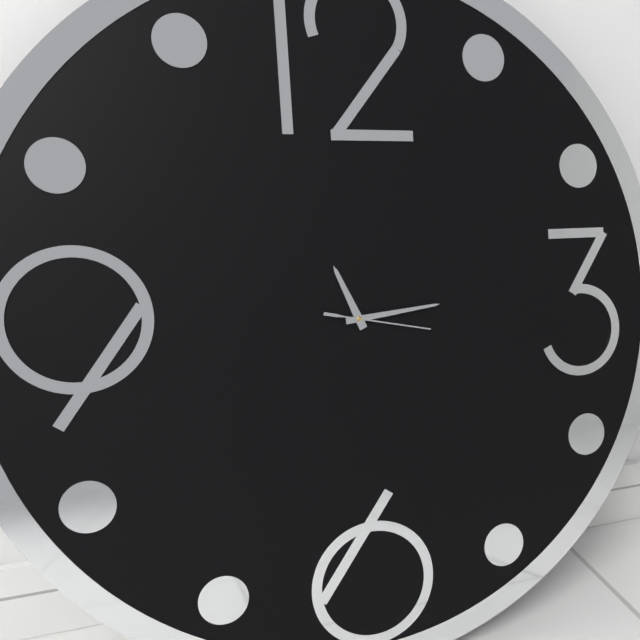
11:14:17
